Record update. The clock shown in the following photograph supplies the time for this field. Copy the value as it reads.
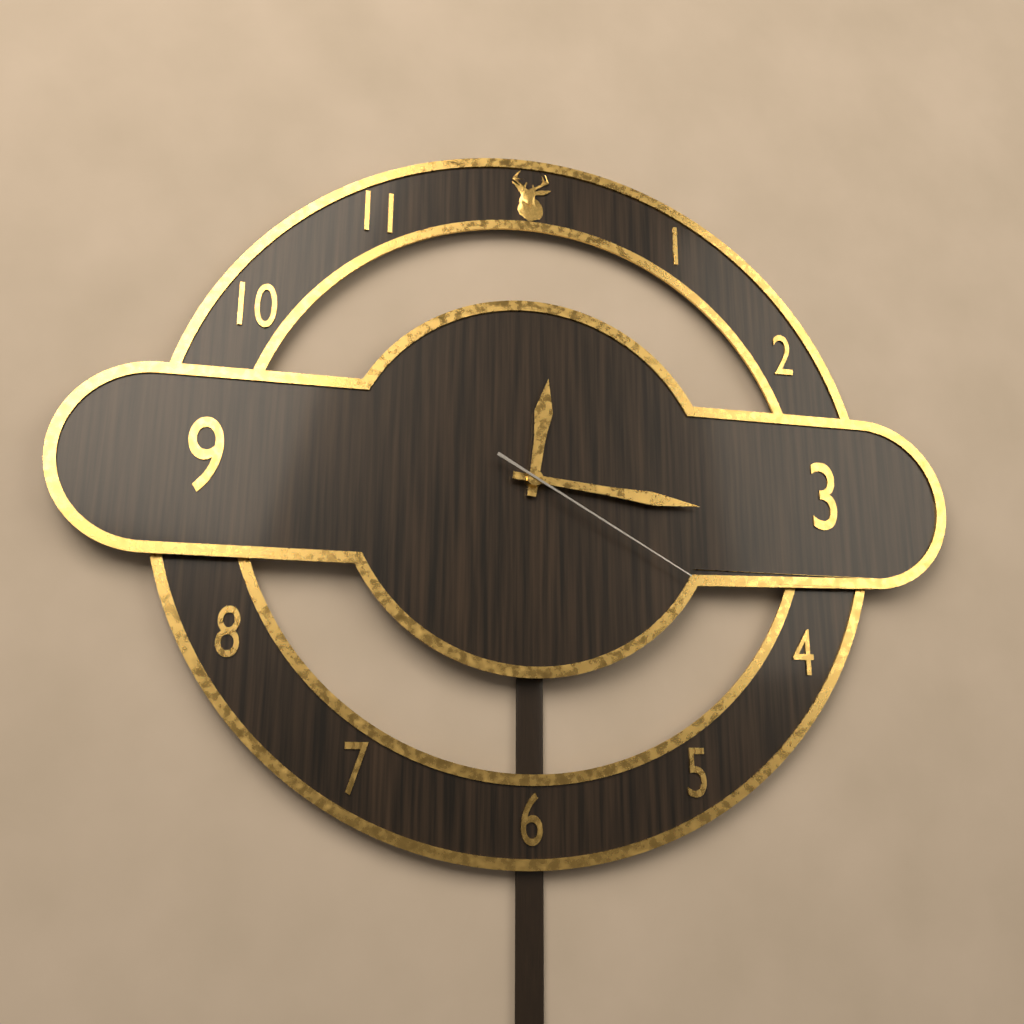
12:16:20
